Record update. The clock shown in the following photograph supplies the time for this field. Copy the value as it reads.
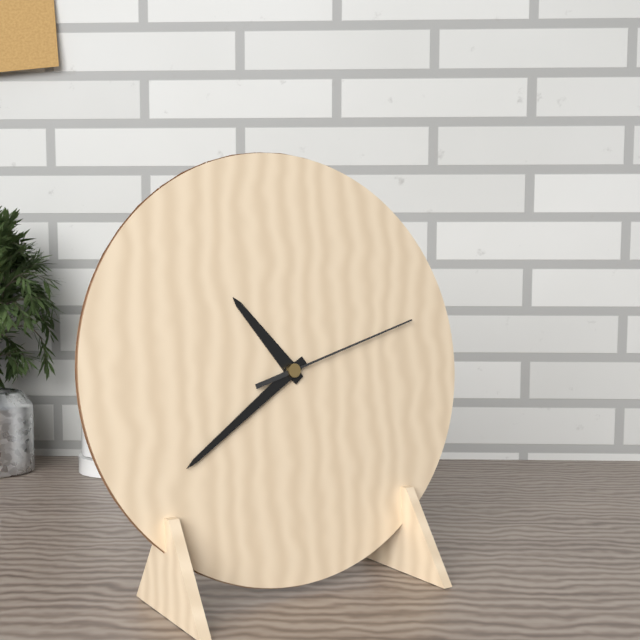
10:39:12
